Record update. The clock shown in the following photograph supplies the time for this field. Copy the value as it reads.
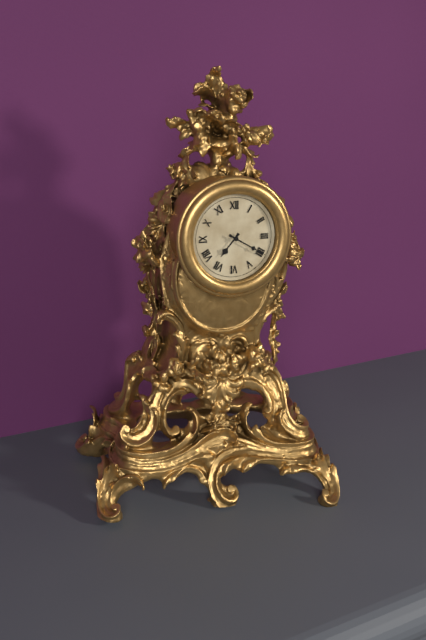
7:20
